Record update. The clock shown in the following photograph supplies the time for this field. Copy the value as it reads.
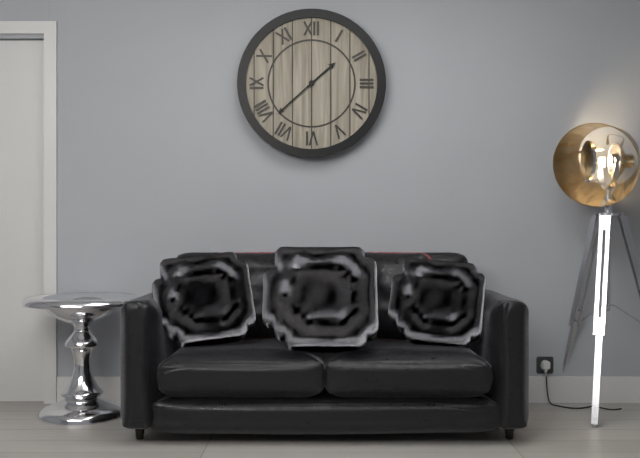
1:38
